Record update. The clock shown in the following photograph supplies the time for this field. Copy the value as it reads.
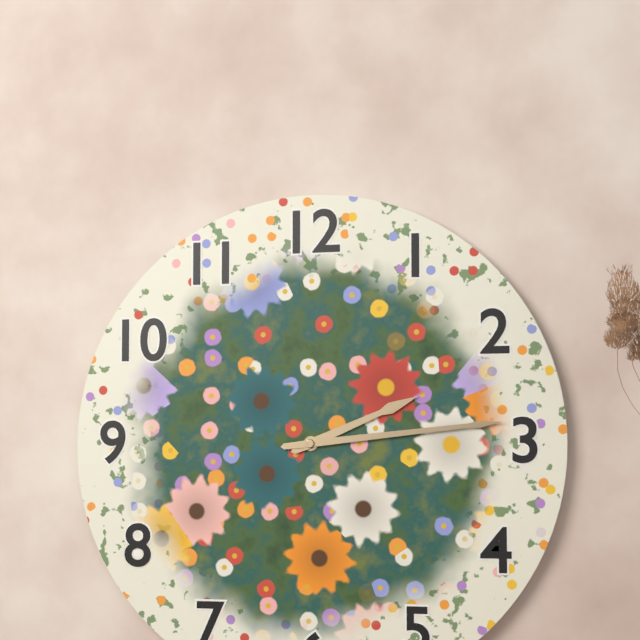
2:14
